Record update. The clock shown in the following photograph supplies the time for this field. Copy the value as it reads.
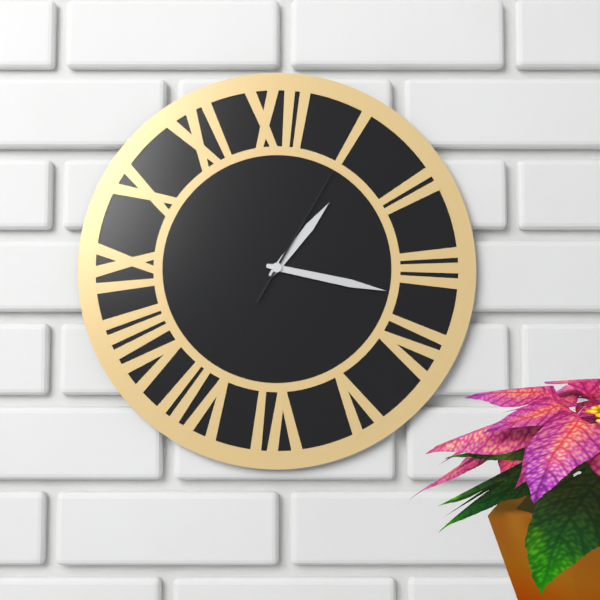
1:17:05
